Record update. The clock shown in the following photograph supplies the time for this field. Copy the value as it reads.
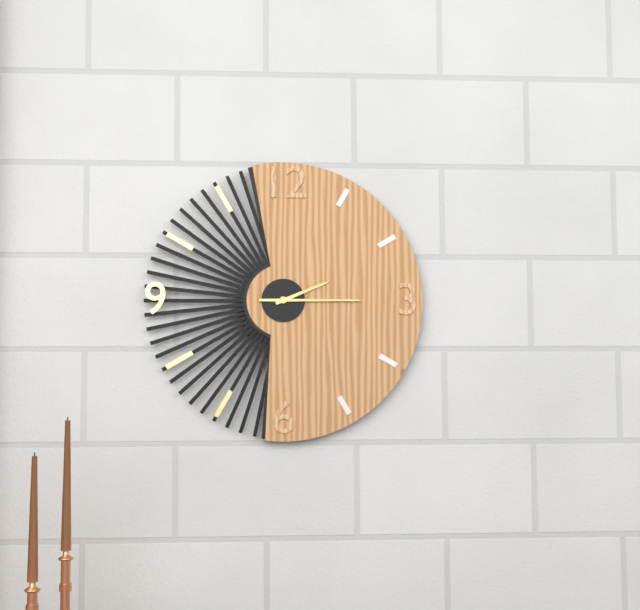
2:15
